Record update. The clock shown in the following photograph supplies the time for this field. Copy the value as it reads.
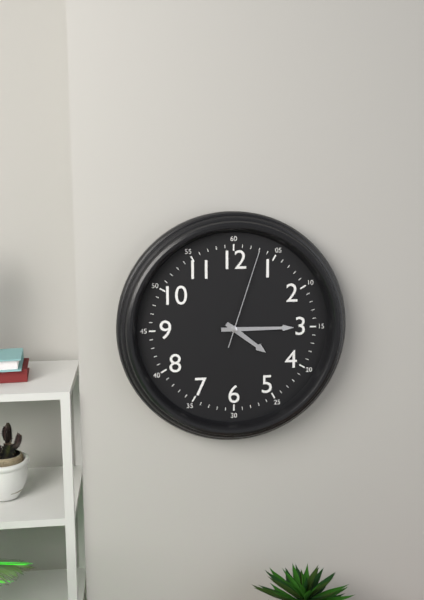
4:15:03
